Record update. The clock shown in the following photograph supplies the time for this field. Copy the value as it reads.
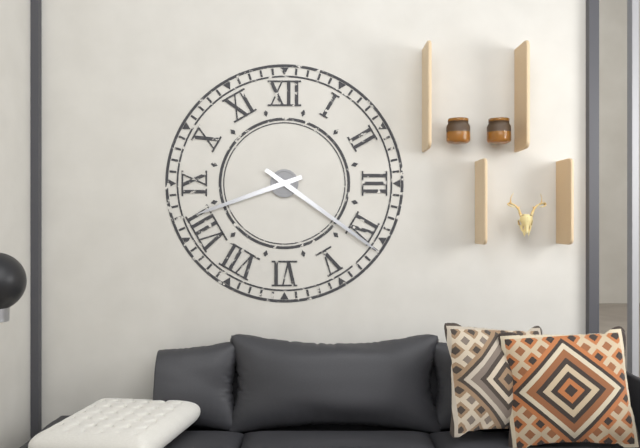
8:21
